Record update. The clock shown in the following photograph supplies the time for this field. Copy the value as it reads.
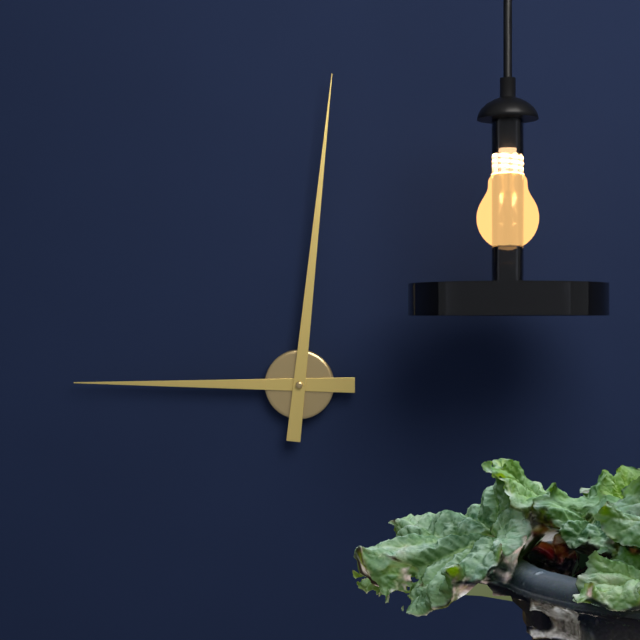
9:01
